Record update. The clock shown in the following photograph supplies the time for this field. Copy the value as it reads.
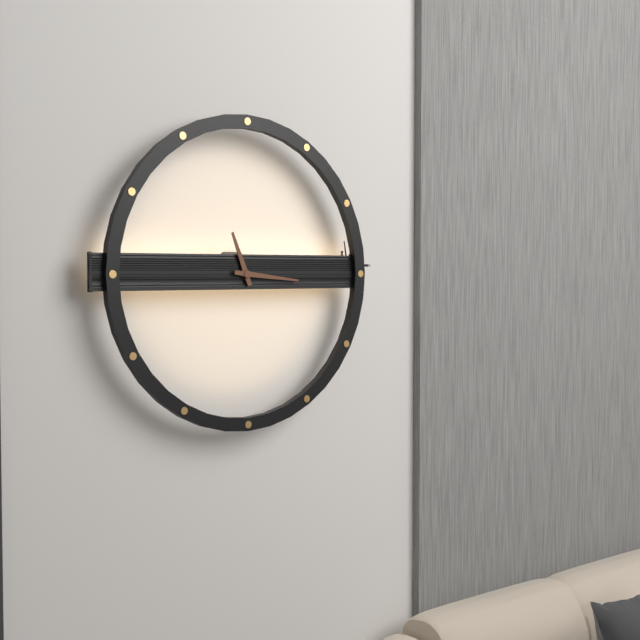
11:16
